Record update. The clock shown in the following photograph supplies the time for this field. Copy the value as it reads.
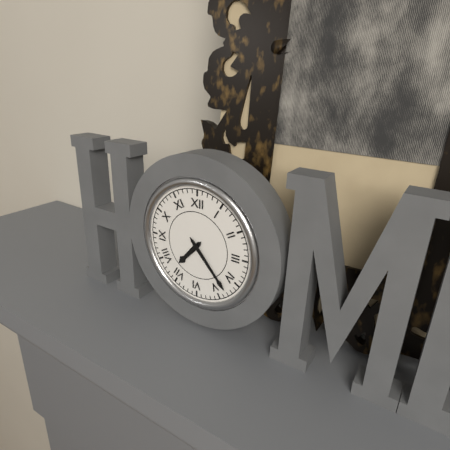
7:23
